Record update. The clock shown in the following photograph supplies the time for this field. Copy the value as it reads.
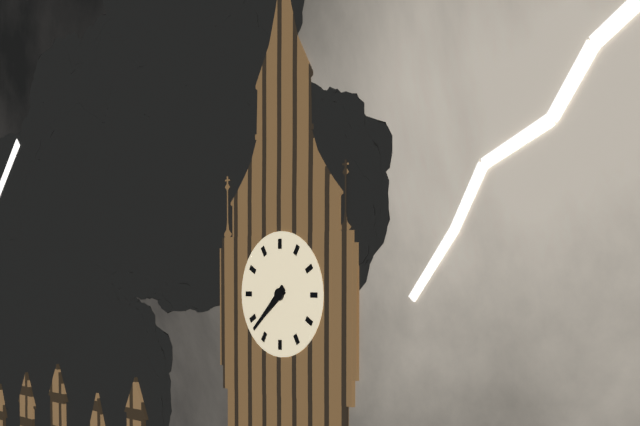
7:38
